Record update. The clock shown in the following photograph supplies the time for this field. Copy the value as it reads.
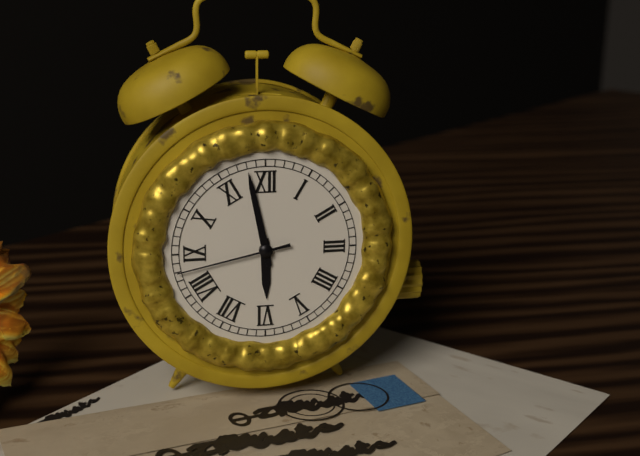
5:58:43
